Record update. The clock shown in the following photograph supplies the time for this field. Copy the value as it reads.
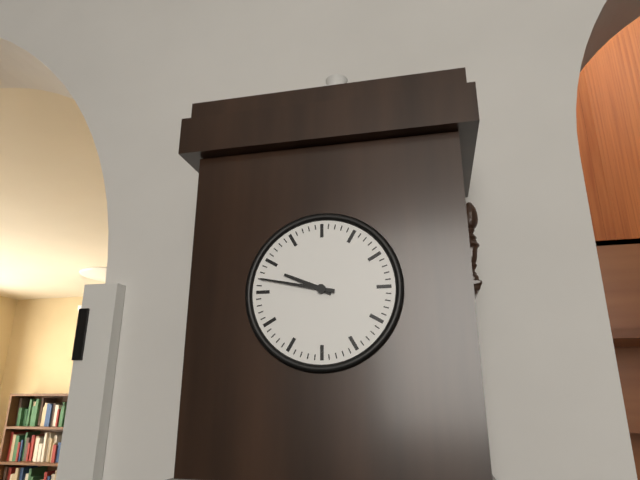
9:47
